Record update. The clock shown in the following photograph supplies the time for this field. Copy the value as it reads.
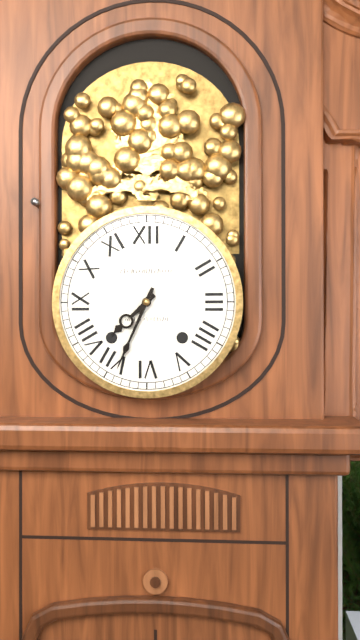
7:34
